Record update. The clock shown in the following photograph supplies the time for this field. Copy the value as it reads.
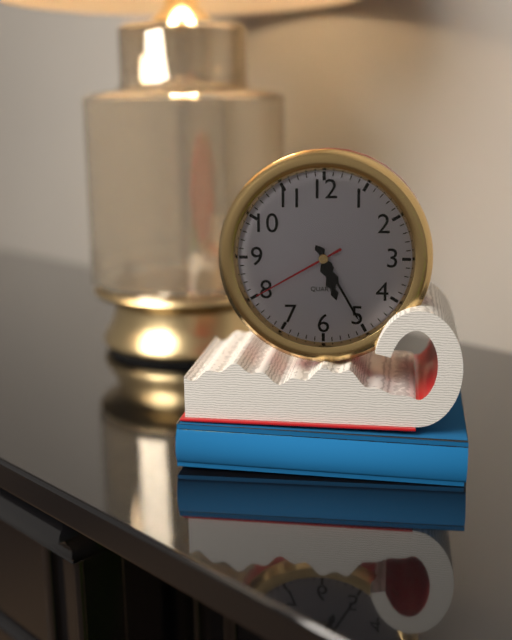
5:25:40
